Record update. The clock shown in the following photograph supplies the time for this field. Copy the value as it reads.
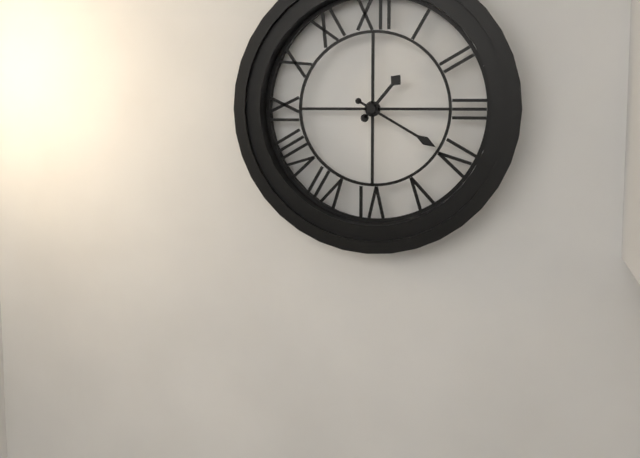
1:20
